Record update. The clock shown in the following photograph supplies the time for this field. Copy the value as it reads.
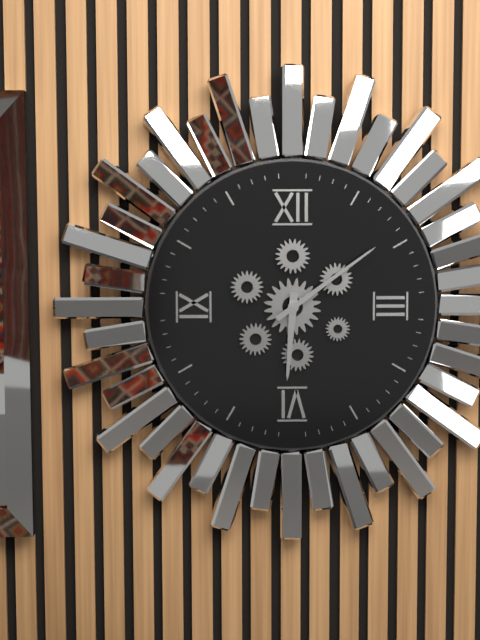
6:09
